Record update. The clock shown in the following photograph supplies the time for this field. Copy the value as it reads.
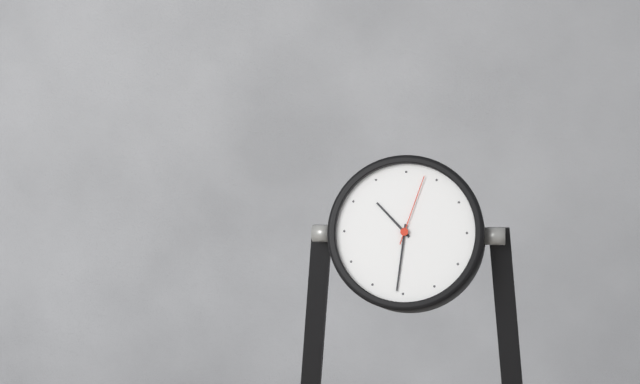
10:31:03
